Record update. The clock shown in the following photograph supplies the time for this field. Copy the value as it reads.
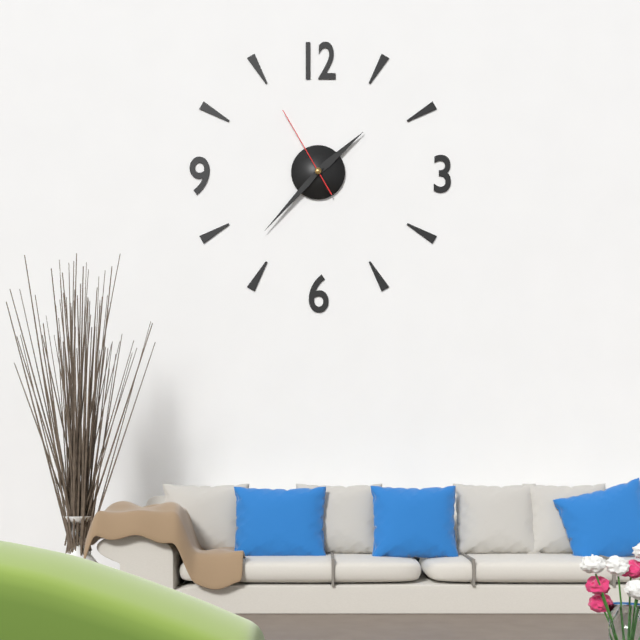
1:37:55
